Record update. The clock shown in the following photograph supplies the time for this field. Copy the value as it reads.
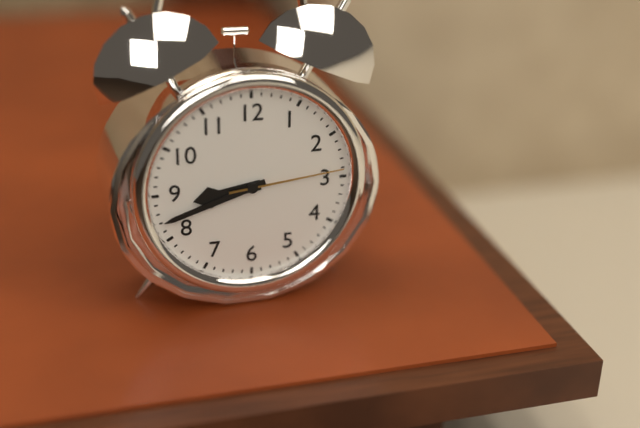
8:42:14
